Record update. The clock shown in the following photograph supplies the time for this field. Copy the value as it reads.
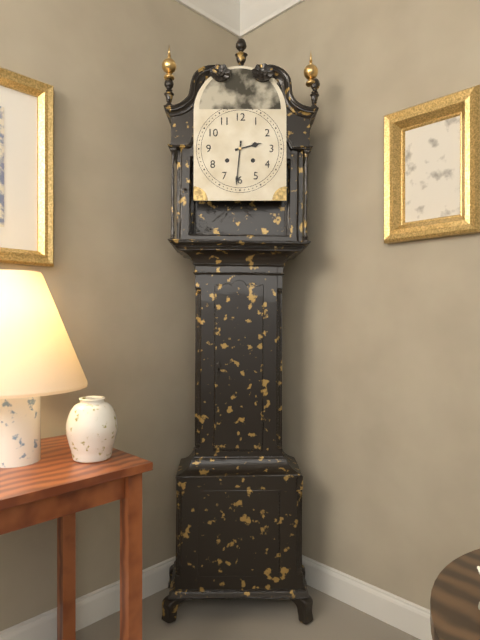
2:31
